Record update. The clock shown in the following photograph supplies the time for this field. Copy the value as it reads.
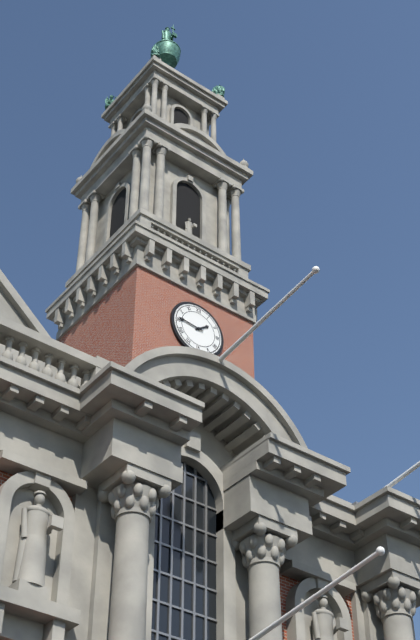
1:46
